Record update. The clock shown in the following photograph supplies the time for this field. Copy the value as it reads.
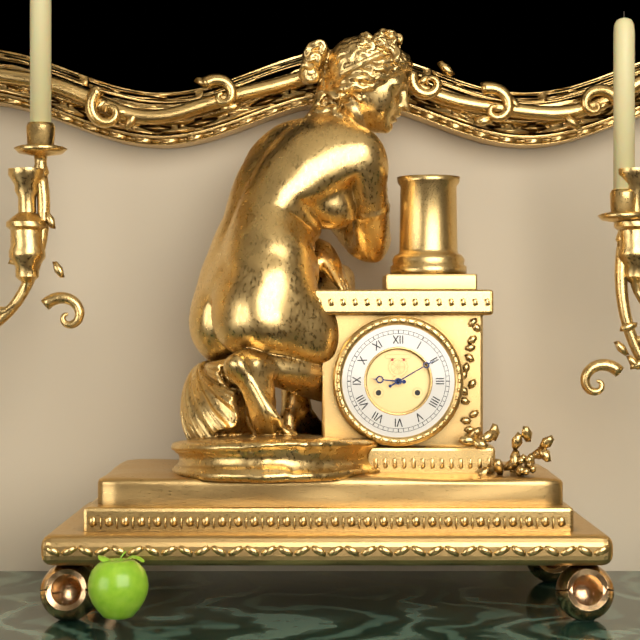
9:10
